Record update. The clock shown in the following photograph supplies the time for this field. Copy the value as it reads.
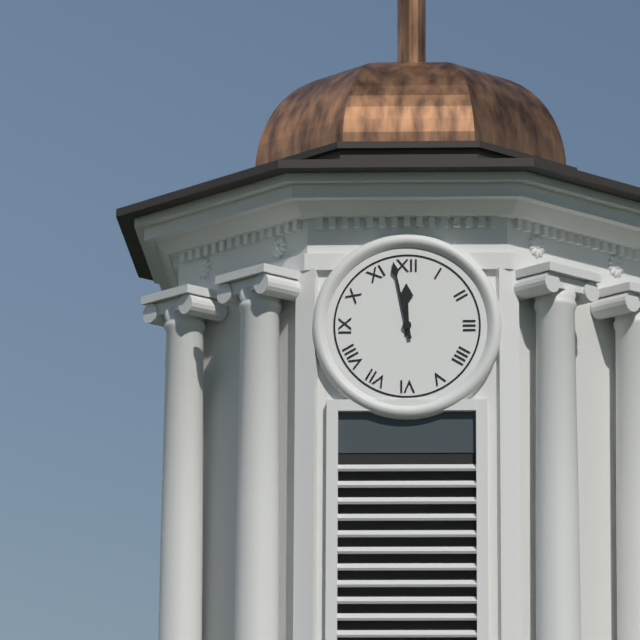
11:58
